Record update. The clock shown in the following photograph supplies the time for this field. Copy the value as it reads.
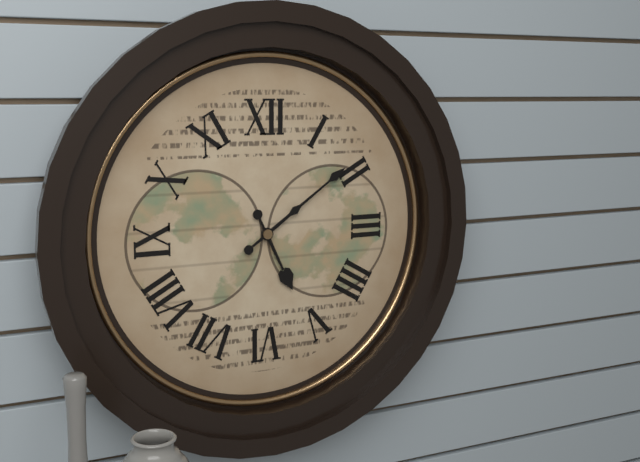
5:09
